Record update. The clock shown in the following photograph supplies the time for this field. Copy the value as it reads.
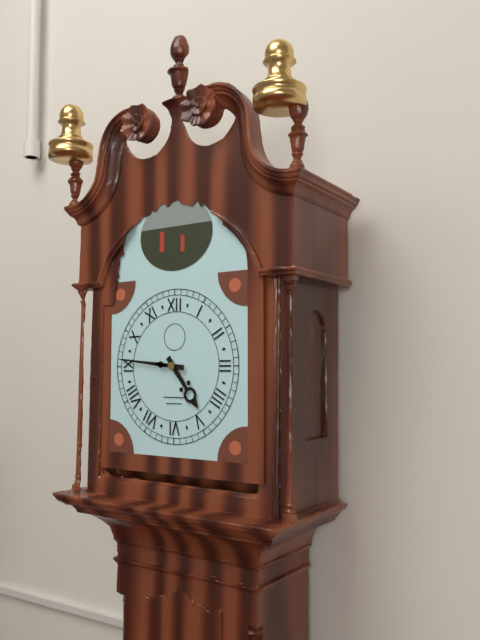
4:46
